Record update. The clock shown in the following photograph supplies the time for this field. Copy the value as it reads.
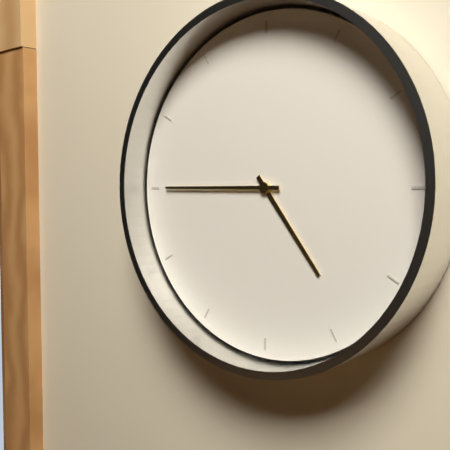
4:45
